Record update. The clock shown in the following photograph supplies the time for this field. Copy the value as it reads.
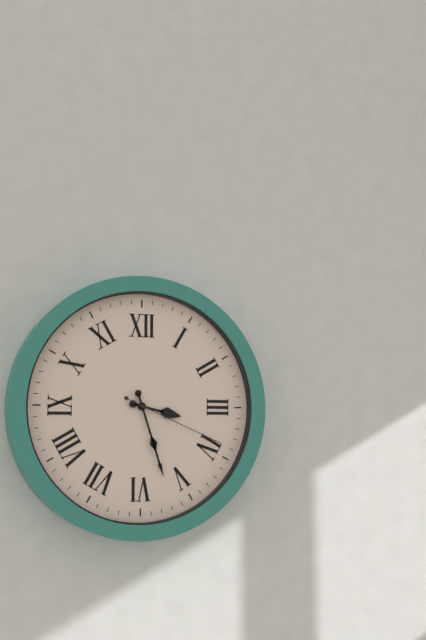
3:27:19
